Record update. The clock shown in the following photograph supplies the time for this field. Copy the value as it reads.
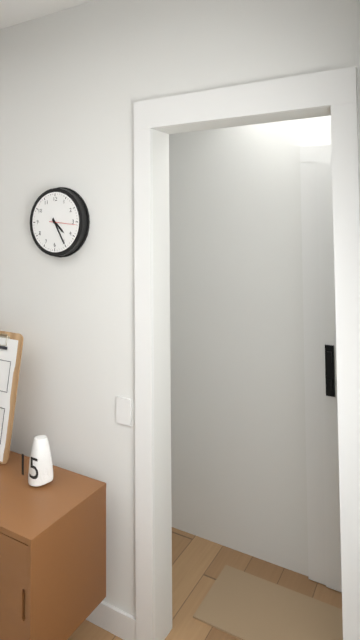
4:25
